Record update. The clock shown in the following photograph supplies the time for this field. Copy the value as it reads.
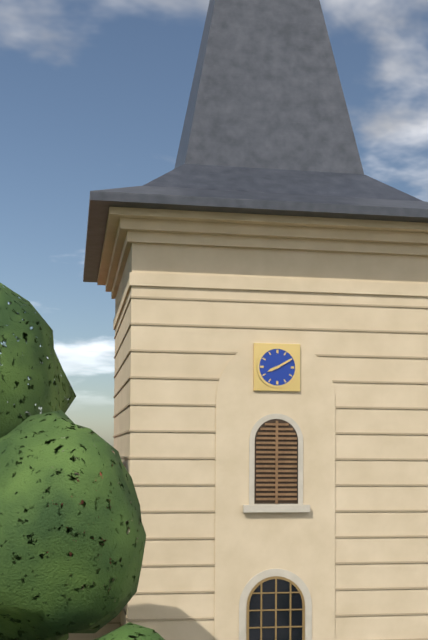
8:10
